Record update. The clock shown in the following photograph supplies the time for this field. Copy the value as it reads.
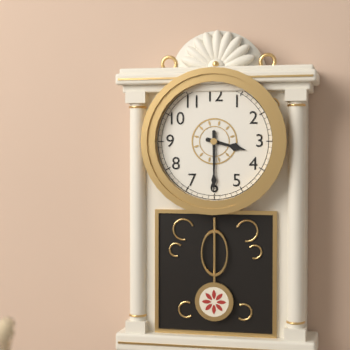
3:30
